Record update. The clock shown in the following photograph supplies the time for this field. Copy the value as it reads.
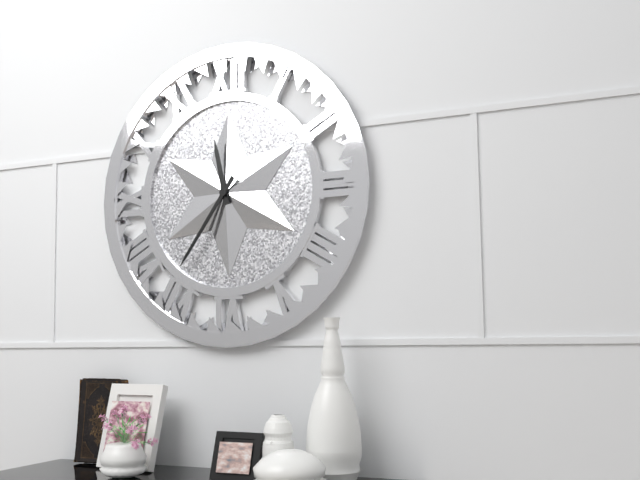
11:36
